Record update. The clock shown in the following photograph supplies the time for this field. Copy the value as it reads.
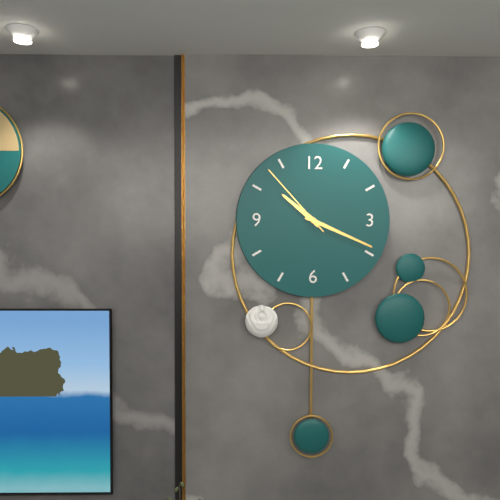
10:19:53
